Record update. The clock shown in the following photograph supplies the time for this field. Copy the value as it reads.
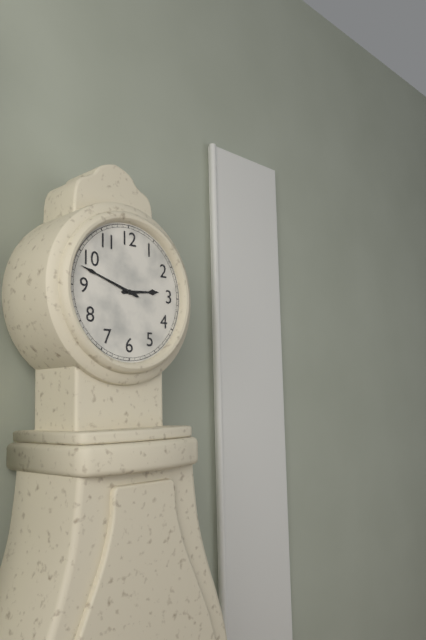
2:48
